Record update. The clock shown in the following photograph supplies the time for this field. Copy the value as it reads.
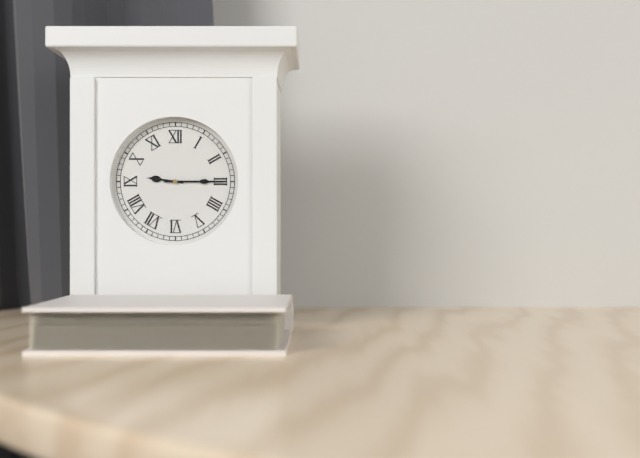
9:15
